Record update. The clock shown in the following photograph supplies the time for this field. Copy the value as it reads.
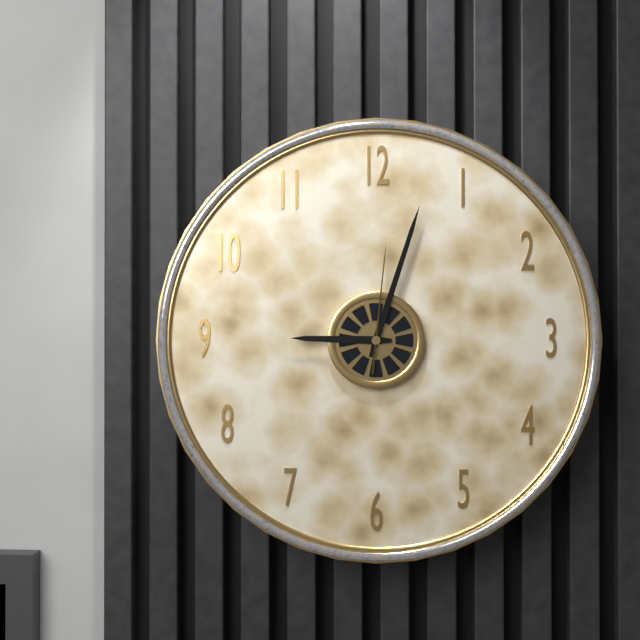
9:03:01
